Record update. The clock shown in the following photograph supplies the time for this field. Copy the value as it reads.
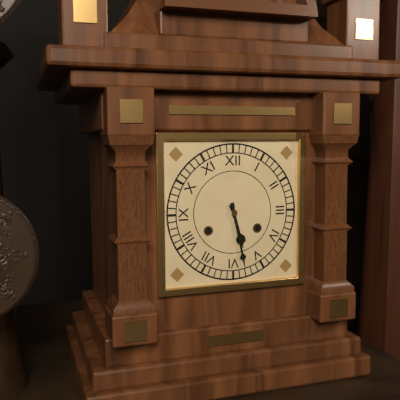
5:28
